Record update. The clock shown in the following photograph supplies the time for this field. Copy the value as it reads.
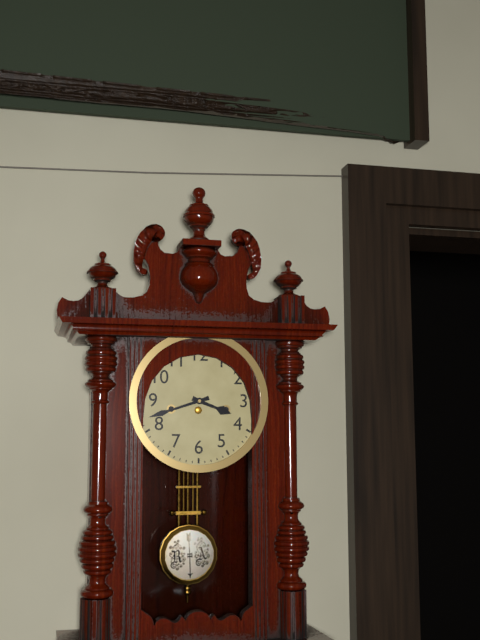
3:42
